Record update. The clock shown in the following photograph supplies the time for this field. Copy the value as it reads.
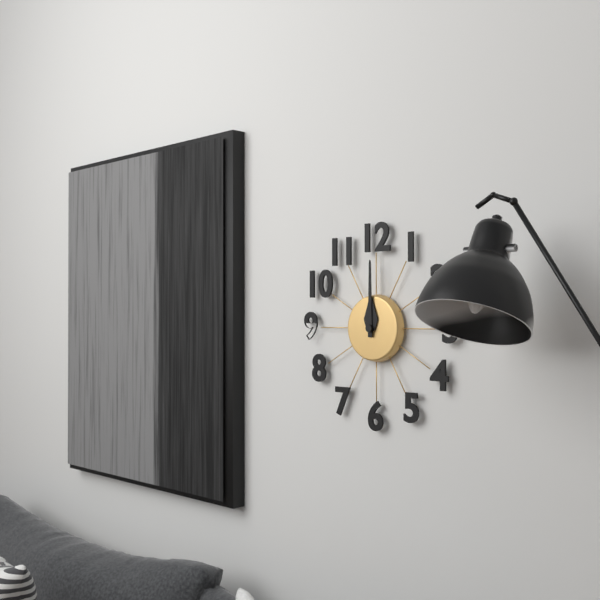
12:00
